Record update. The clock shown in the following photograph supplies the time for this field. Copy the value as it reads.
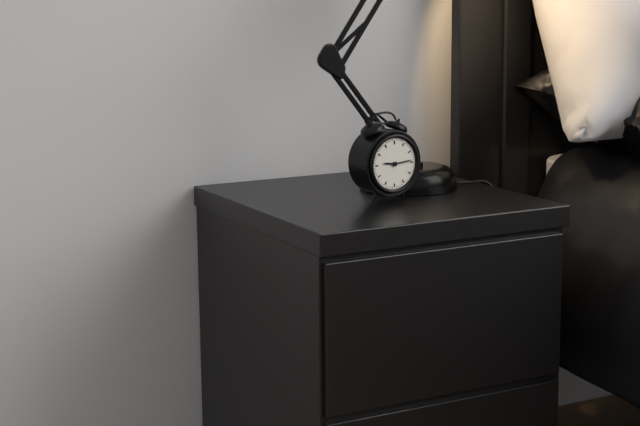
9:14
